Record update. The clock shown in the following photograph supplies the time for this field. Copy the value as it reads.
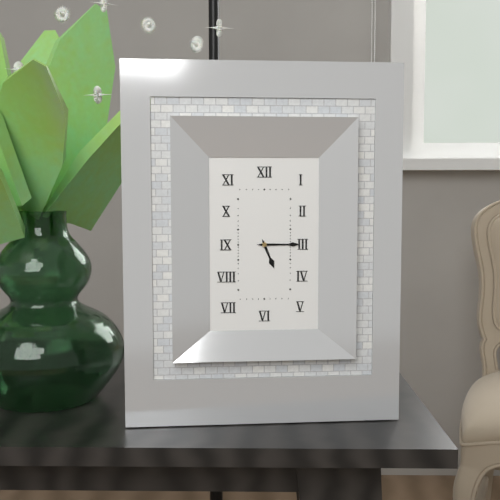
5:15
